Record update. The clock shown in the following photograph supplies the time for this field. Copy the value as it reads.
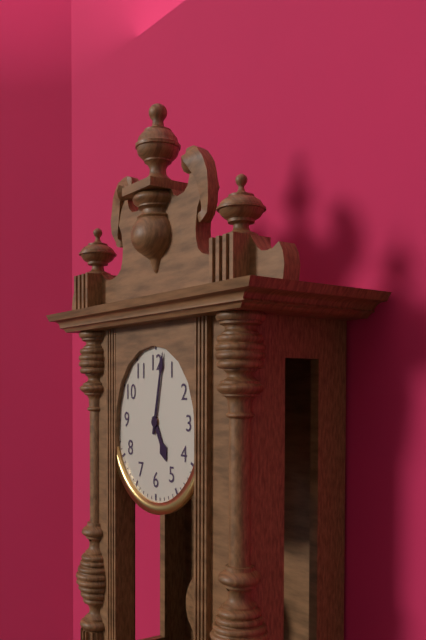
5:02
